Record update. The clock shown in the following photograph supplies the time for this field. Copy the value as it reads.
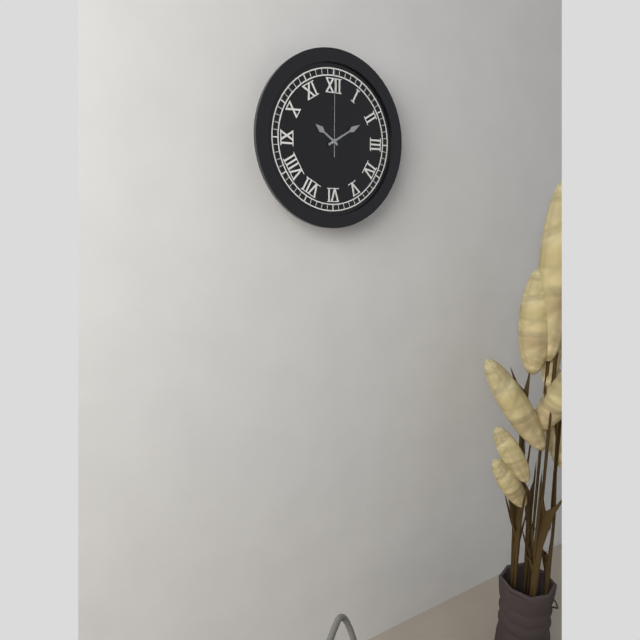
10:10:00
